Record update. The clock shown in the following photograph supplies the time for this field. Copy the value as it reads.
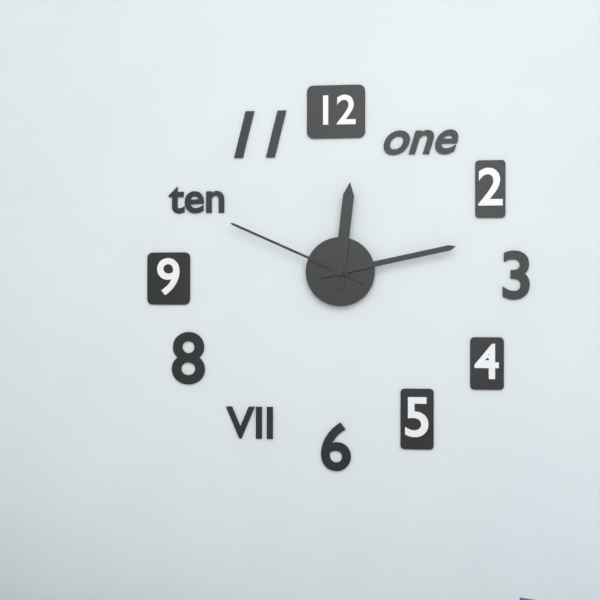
12:13:49
